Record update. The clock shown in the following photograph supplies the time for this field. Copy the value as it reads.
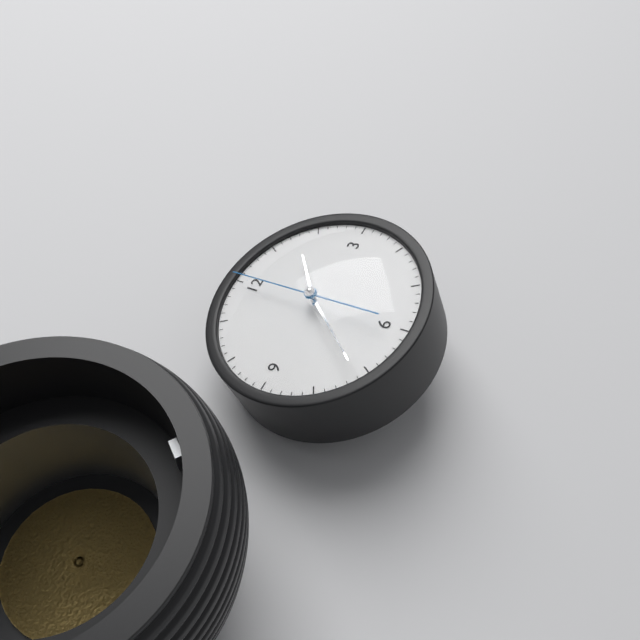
1:36:00
